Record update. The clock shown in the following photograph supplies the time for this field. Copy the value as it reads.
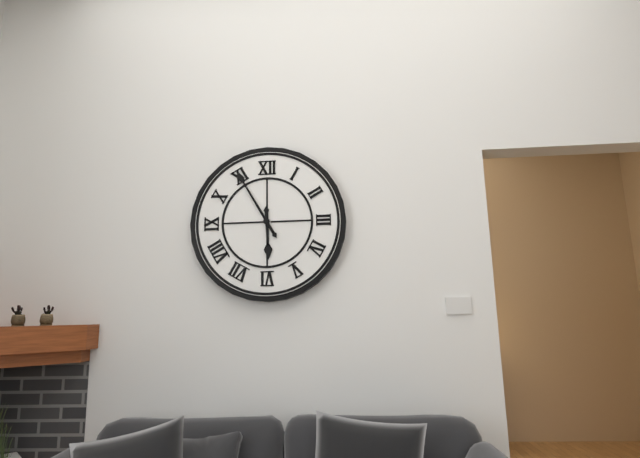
5:55
